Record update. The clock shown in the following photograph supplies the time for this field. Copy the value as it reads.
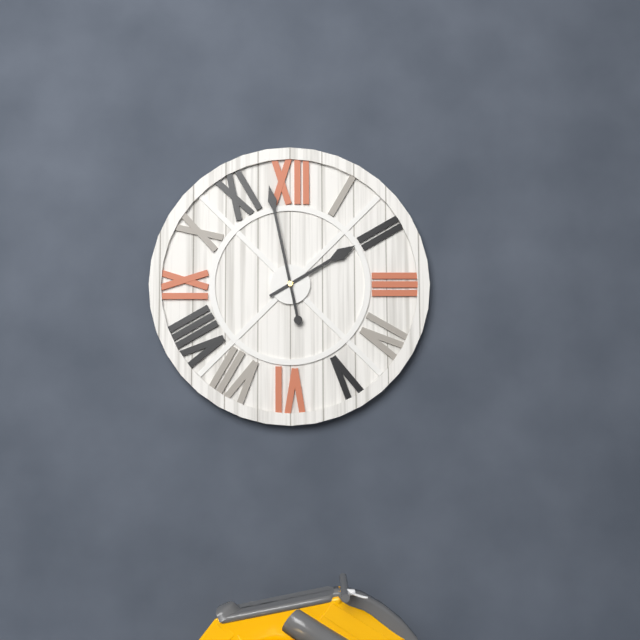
1:58
